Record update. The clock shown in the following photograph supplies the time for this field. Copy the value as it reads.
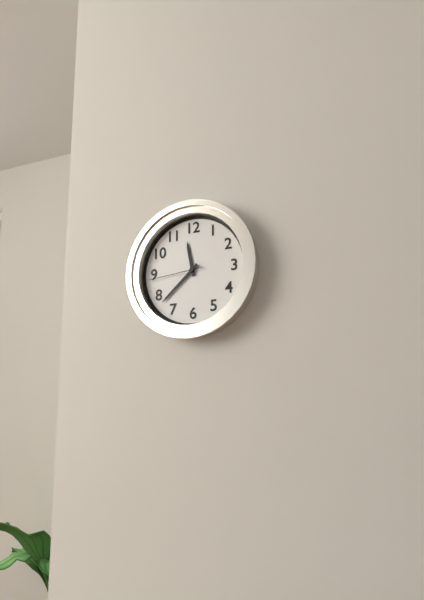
11:38:44
